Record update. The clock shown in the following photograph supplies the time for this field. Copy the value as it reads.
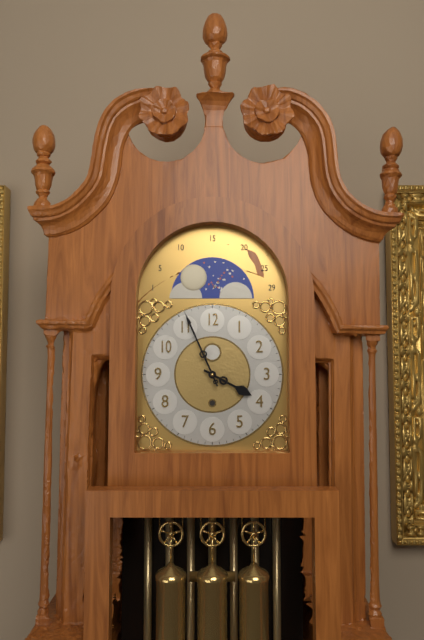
3:56
